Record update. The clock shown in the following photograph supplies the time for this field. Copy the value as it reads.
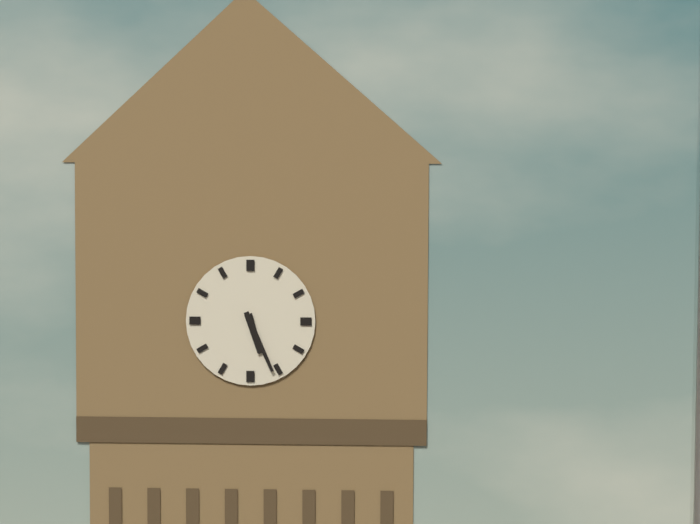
5:26
